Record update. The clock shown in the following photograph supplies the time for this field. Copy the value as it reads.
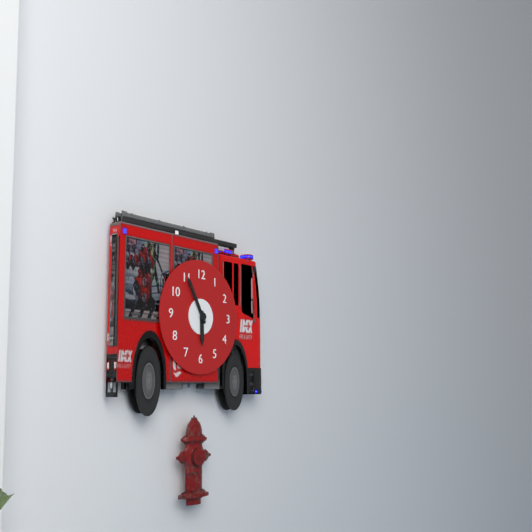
5:55
